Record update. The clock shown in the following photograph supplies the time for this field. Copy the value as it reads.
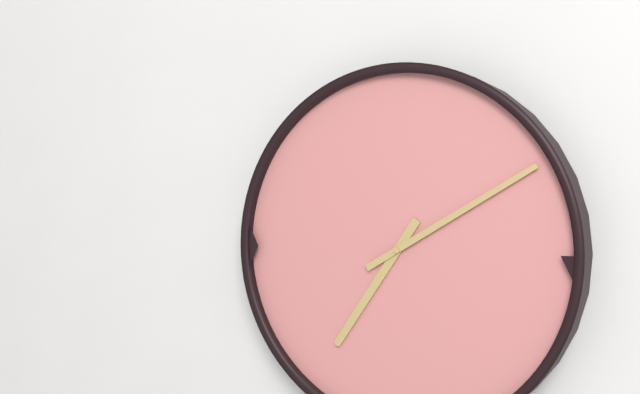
7:10
